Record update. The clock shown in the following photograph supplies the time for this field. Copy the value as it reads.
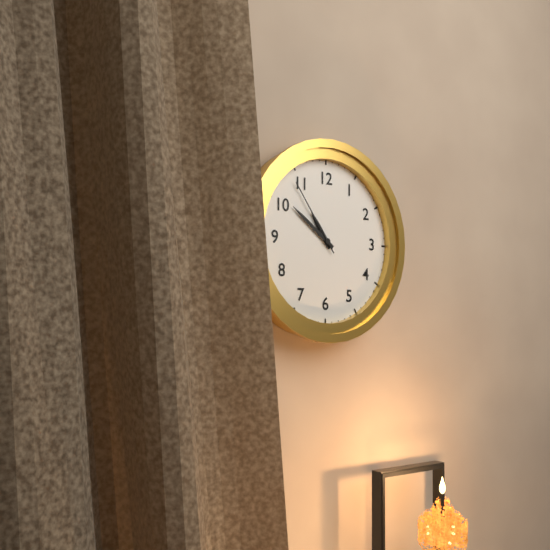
10:51:54
